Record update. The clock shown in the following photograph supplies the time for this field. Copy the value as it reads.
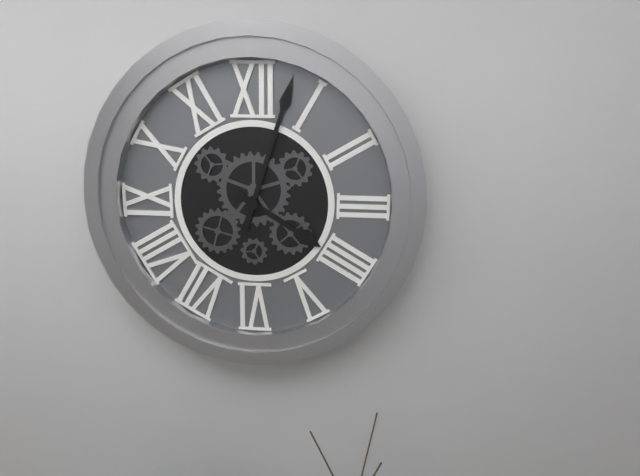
4:03
